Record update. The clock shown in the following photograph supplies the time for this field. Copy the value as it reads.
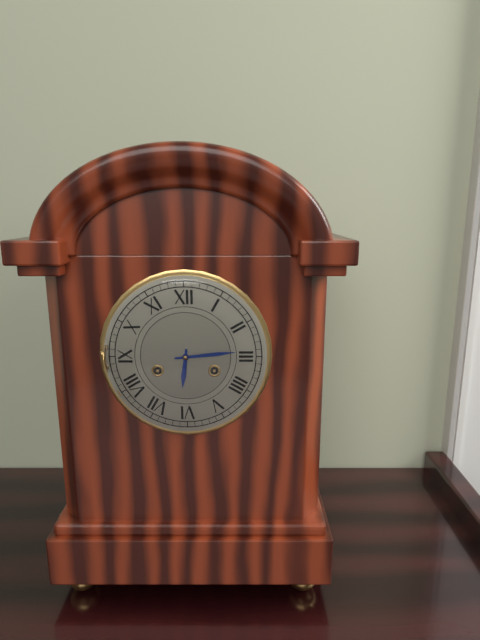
6:14
